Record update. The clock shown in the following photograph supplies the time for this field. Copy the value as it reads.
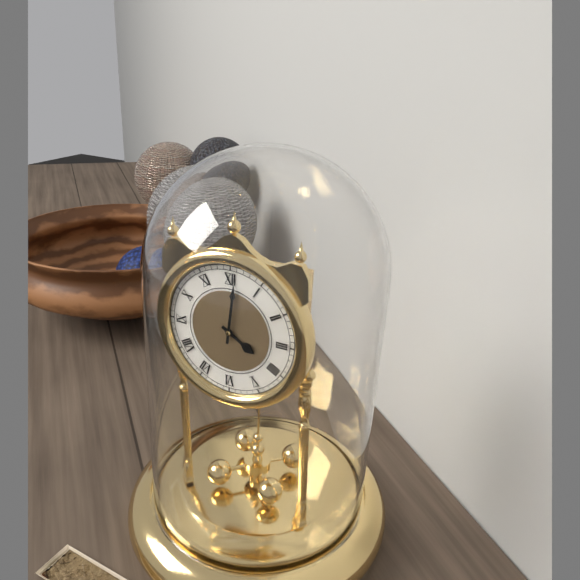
4:01
